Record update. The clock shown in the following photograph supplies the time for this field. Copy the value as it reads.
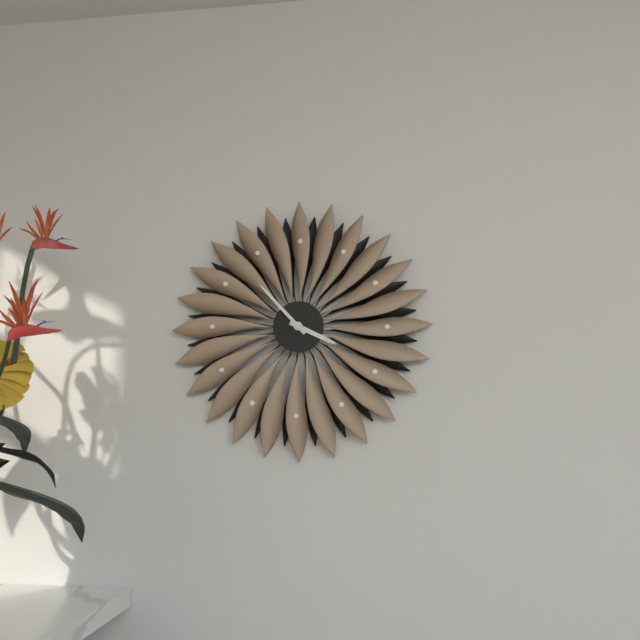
3:53
